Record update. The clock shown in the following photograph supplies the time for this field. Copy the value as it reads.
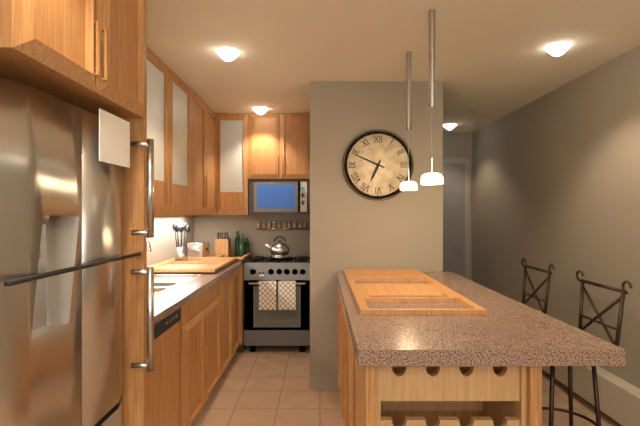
6:49
